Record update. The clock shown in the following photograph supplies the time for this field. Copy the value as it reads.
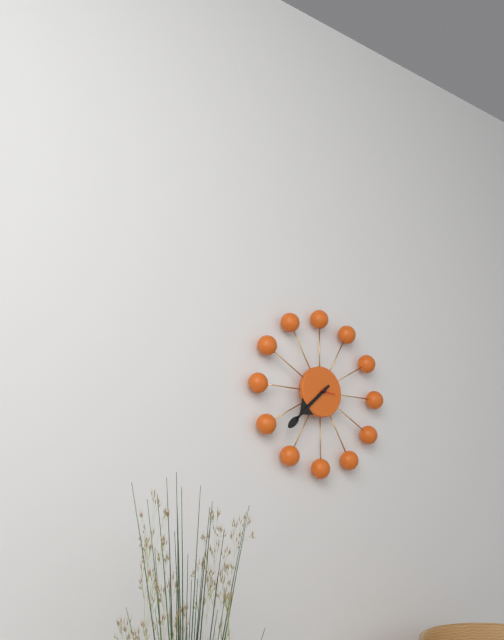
7:38
